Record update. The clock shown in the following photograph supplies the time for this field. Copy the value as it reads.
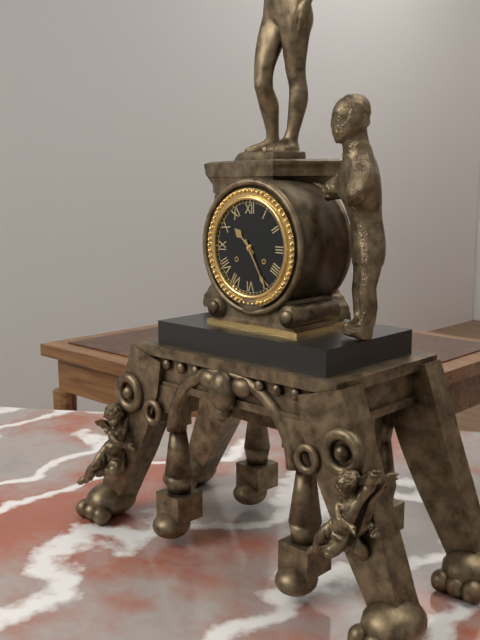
10:25
